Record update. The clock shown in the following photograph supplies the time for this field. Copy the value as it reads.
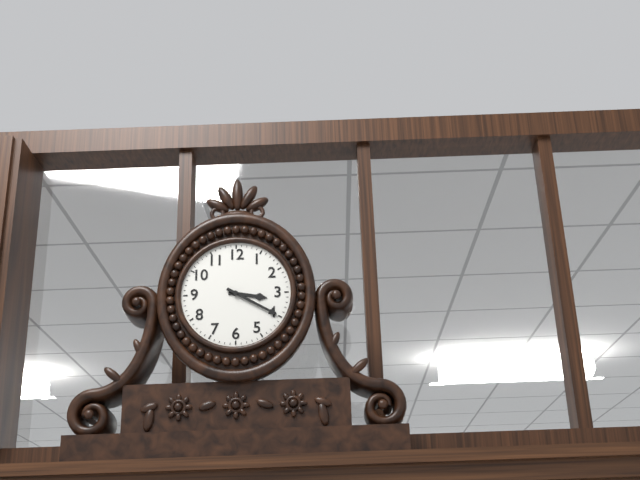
3:20
